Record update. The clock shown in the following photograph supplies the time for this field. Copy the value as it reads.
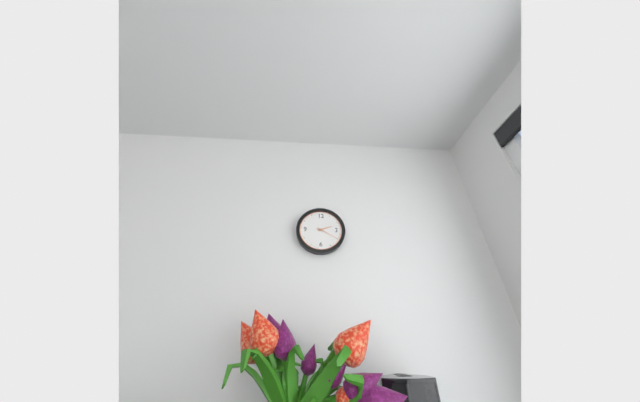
2:20
